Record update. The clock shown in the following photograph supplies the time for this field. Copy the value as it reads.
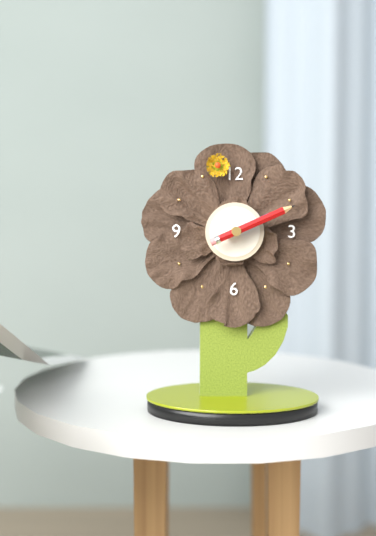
2:11
